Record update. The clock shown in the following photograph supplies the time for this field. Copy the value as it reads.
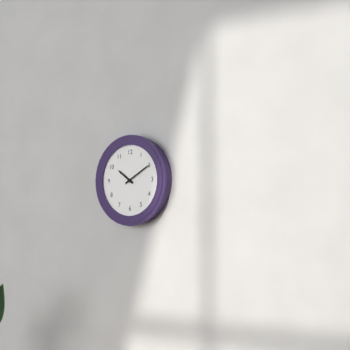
10:10
